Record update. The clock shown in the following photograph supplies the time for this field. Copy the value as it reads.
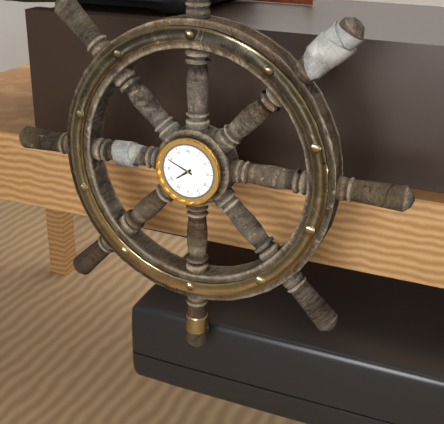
7:49
